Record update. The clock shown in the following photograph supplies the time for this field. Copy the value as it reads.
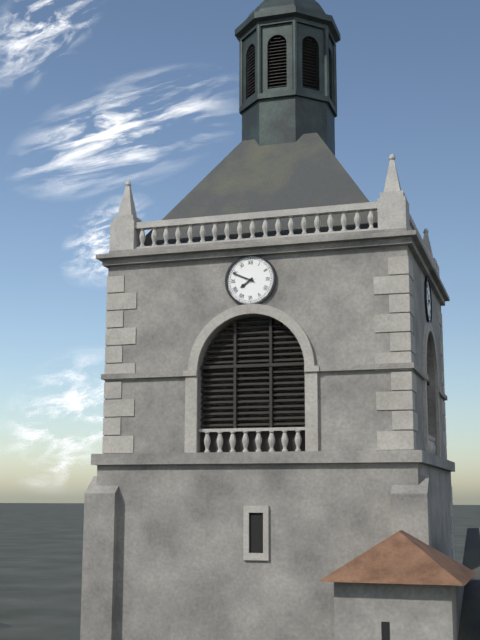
7:49
